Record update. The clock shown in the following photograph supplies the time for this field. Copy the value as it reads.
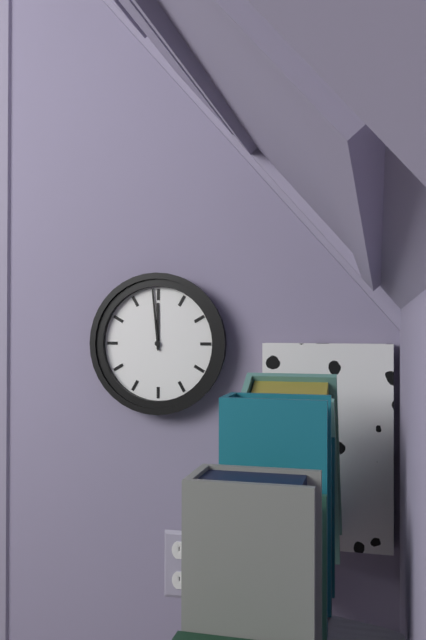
11:59
